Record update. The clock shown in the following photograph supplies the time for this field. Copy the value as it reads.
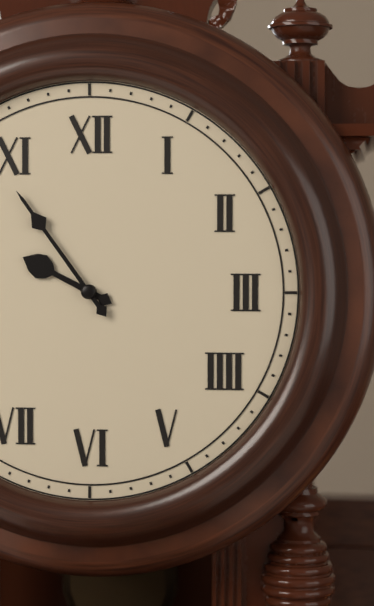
9:54
